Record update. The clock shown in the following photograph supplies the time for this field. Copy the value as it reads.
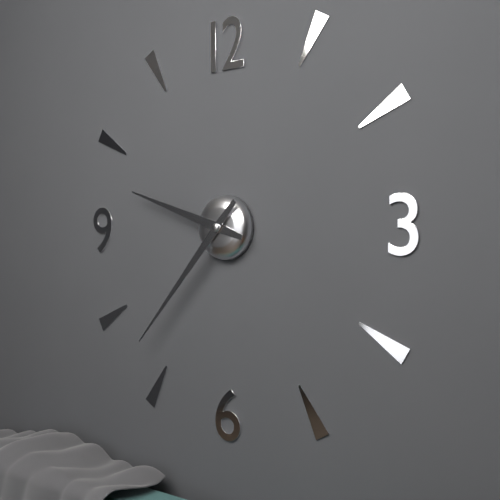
9:37
